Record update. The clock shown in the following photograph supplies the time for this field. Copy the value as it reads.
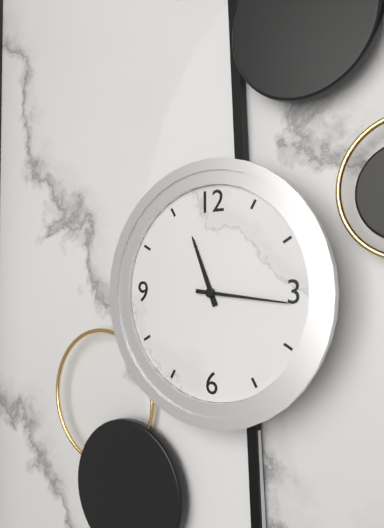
11:16
